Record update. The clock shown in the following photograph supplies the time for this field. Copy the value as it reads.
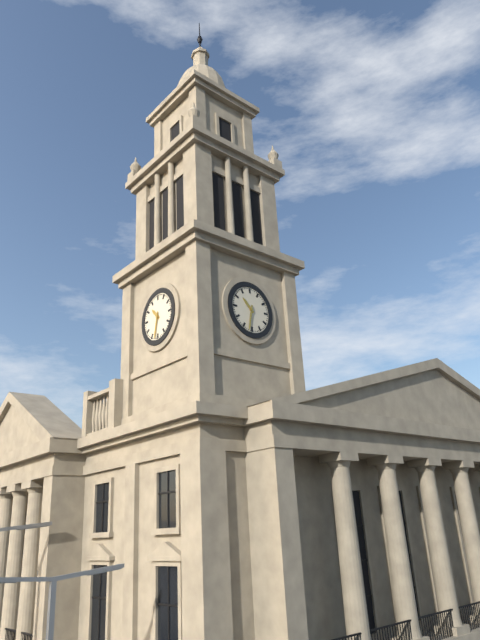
10:32
